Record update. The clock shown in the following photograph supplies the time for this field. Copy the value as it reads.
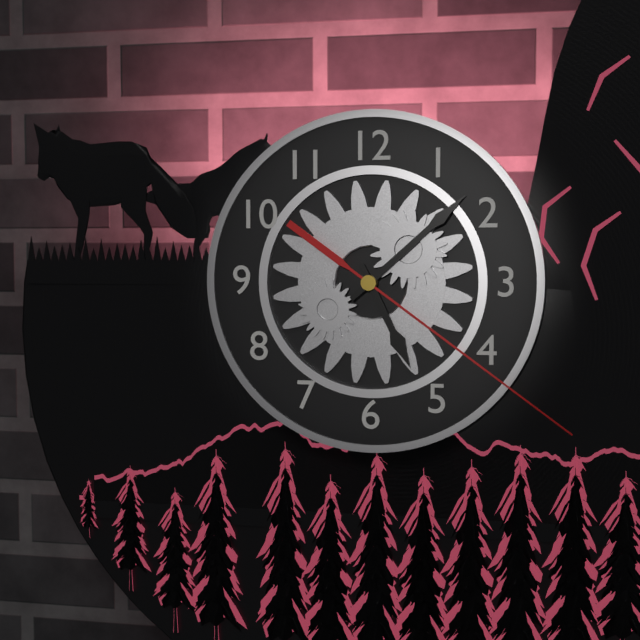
5:08:21
